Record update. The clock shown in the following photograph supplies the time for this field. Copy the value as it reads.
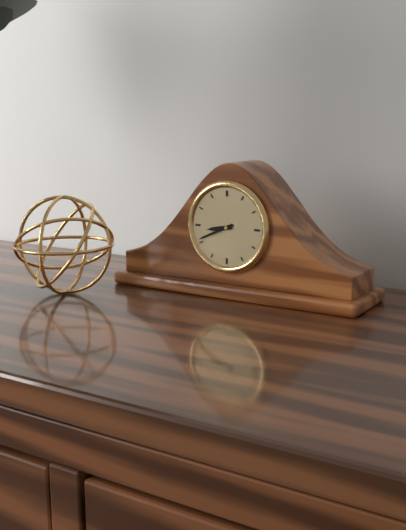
8:41
